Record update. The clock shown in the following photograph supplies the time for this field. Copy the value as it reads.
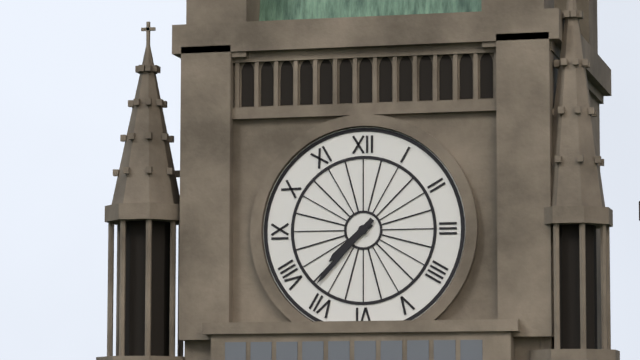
7:37
